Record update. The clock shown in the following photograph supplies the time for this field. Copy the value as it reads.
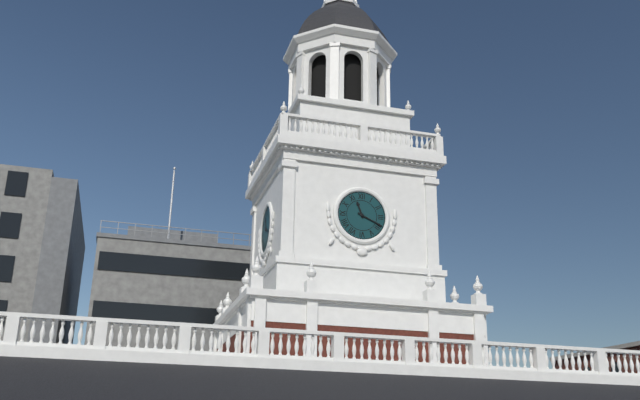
11:19
